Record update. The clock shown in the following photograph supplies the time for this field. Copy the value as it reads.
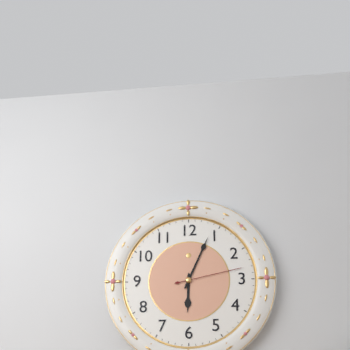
6:04:13
